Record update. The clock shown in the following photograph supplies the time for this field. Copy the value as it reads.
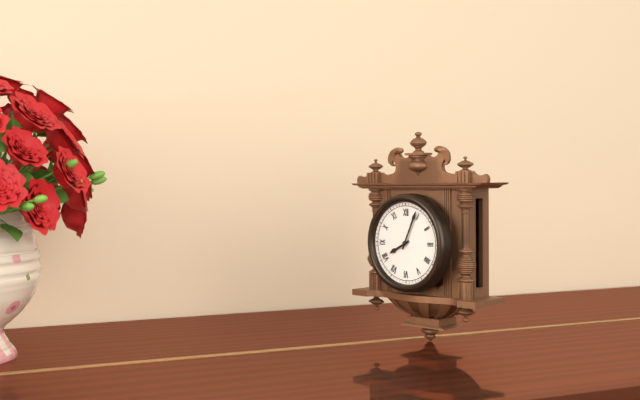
8:04
